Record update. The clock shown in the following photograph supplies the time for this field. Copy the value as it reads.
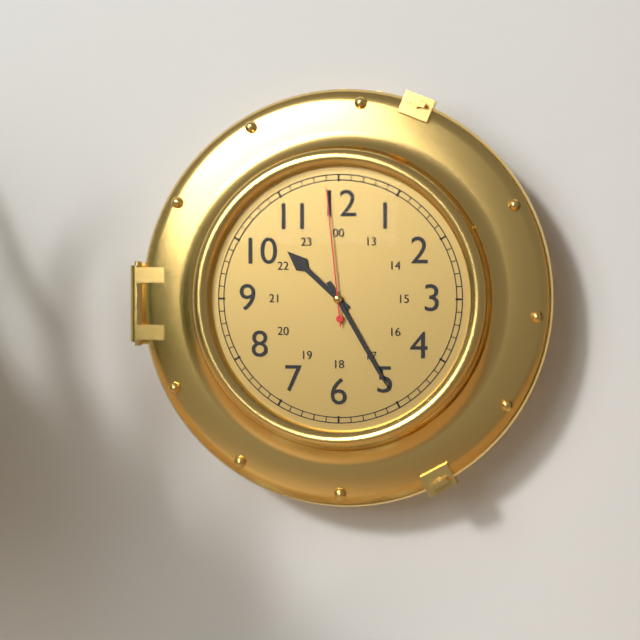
10:25:59
